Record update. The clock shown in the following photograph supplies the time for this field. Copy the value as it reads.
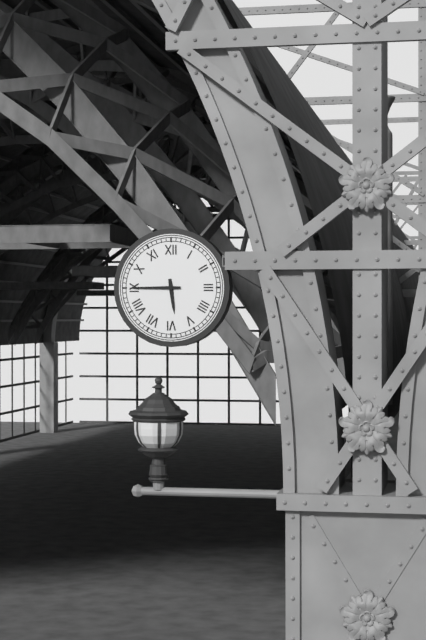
5:45
